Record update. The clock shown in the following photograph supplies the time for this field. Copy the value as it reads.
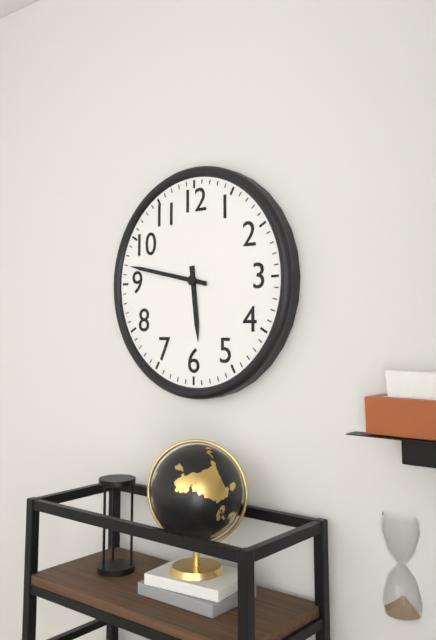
5:47
